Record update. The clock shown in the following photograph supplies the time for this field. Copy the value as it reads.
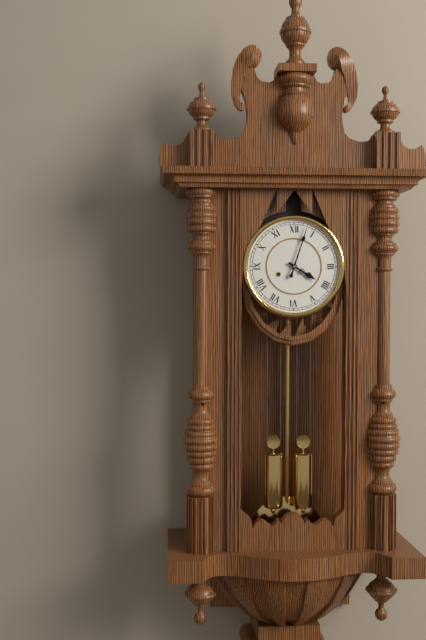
4:03
